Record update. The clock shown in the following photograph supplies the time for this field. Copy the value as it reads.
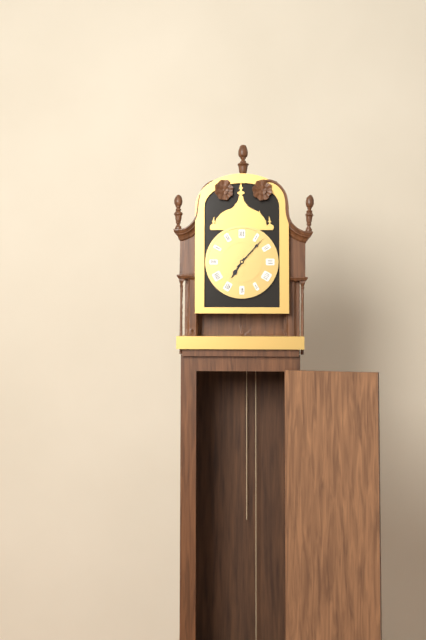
7:07
